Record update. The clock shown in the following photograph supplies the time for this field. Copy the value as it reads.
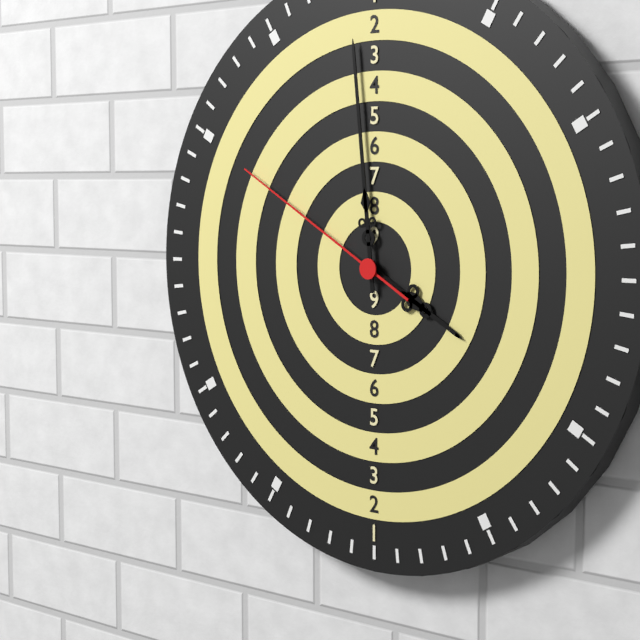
3:59:50
